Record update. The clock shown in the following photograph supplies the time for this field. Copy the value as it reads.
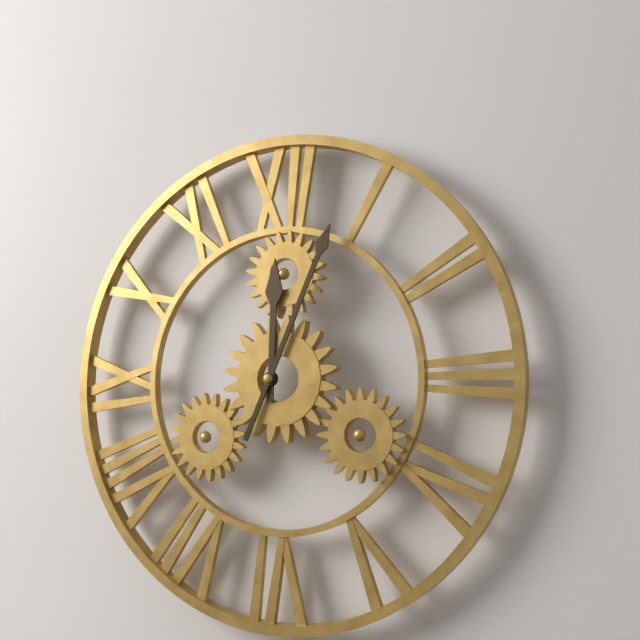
12:04
